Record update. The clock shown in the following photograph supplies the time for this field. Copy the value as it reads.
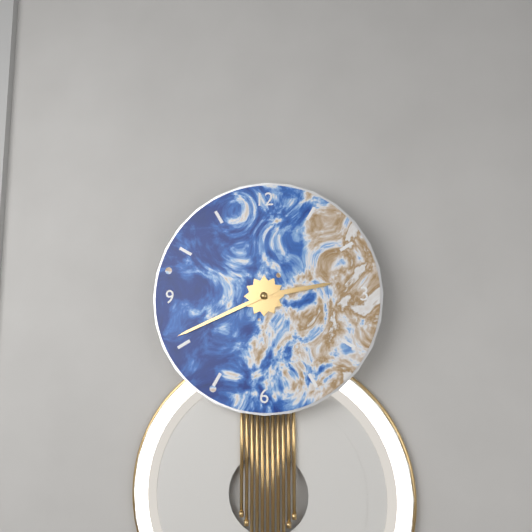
2:41
